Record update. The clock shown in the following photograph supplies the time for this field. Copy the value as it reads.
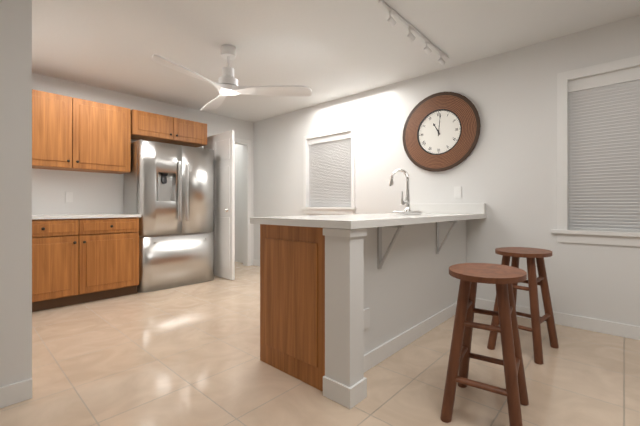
11:01
